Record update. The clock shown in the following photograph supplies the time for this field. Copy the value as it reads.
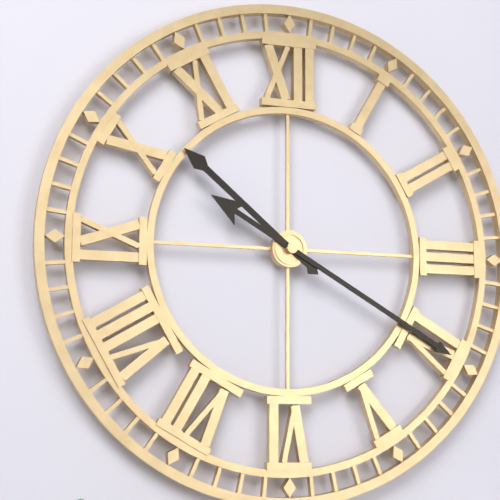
10:20
